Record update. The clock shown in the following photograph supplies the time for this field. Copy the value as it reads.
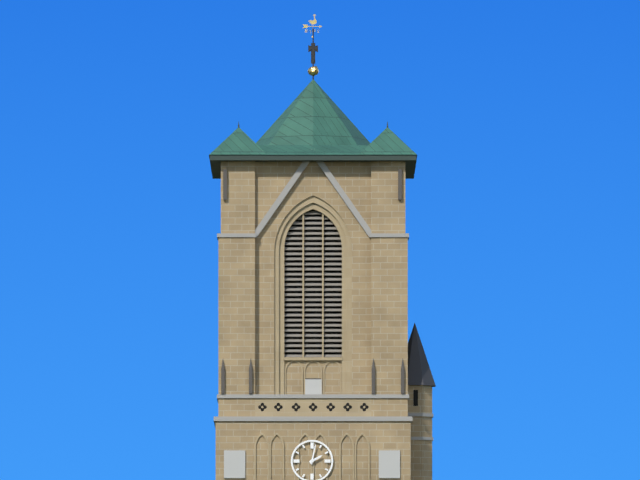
2:02
